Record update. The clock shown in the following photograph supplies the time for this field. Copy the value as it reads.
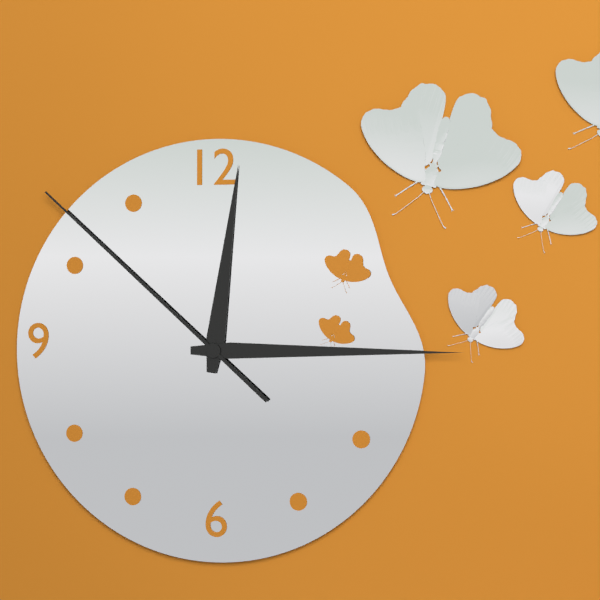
12:15:52
